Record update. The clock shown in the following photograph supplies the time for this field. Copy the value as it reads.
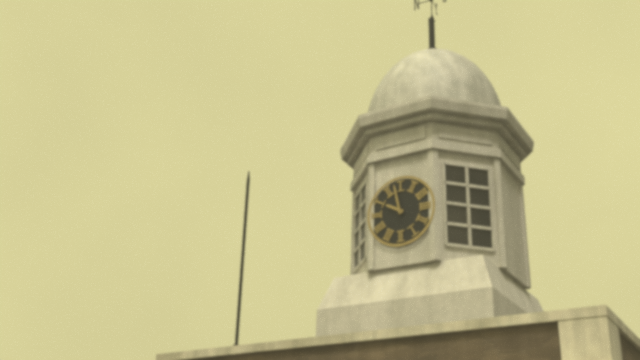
9:58
